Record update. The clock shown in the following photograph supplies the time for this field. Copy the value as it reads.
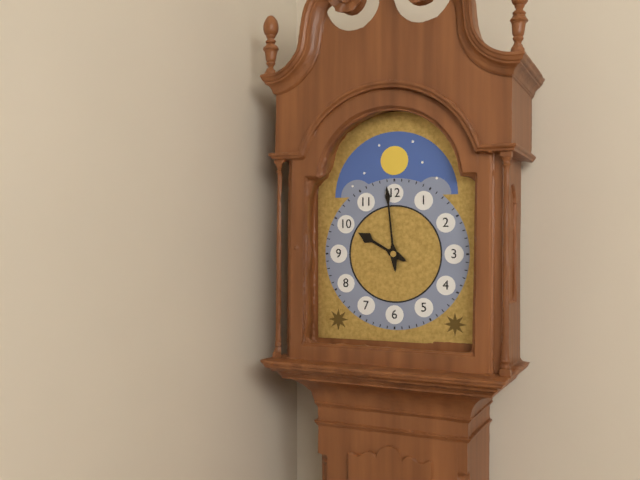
9:59
